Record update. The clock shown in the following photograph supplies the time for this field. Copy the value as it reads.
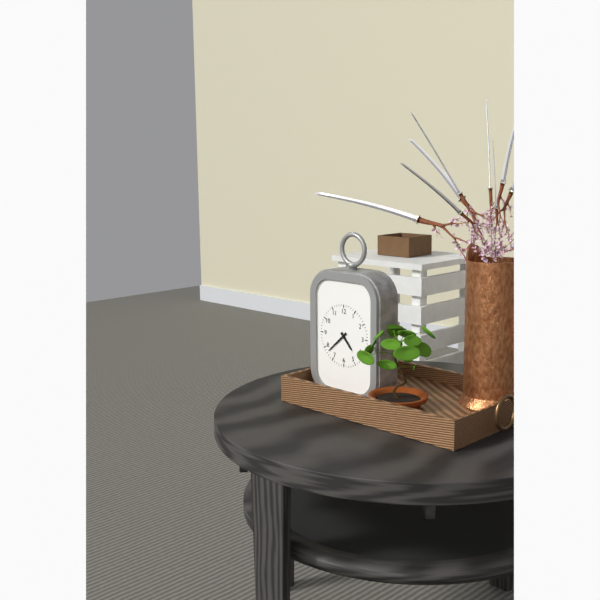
4:38
